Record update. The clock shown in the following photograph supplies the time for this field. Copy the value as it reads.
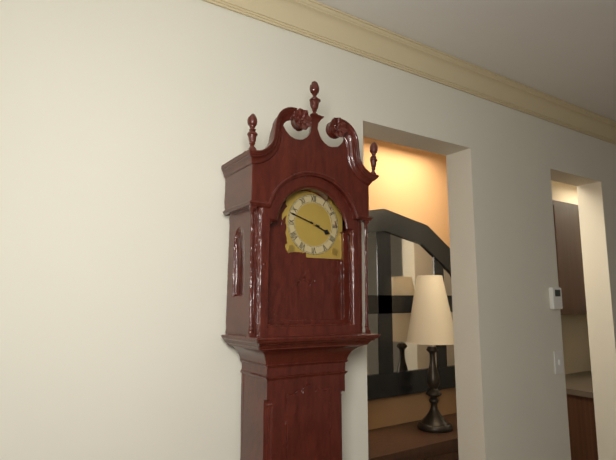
3:48
